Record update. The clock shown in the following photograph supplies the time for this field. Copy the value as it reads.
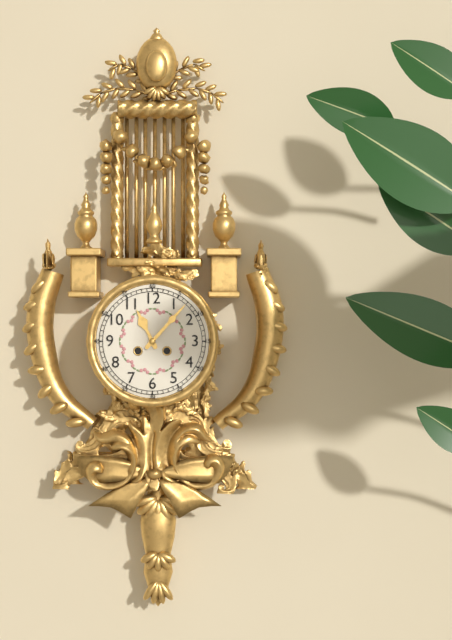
11:07
